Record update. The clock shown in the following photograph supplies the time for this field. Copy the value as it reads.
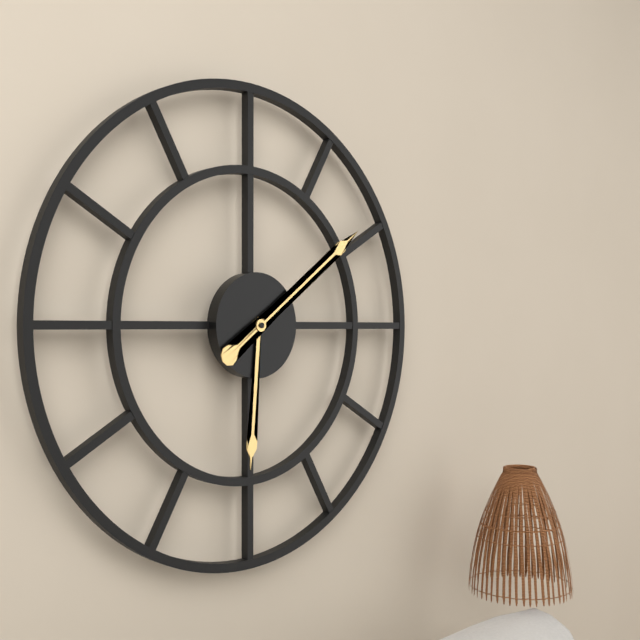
6:09
